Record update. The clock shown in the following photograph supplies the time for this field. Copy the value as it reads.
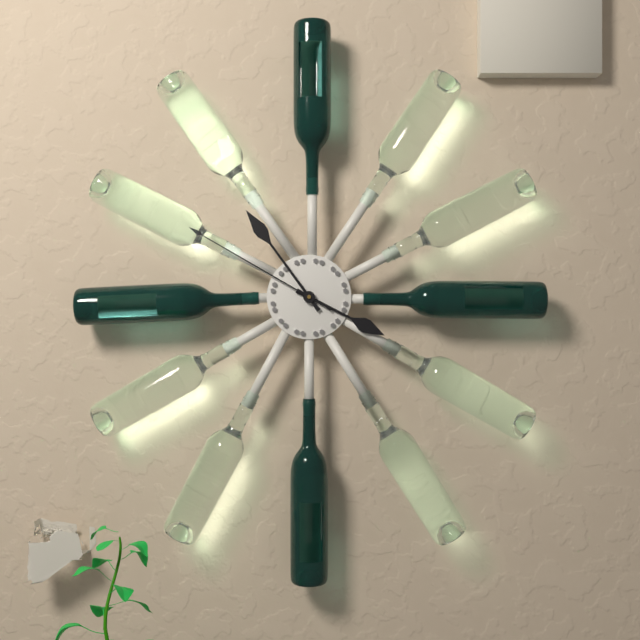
3:54:50
